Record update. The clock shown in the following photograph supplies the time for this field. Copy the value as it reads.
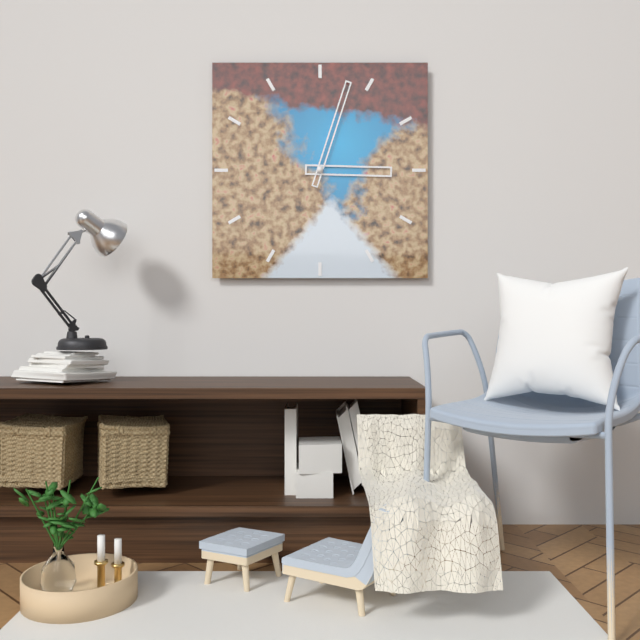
3:03
